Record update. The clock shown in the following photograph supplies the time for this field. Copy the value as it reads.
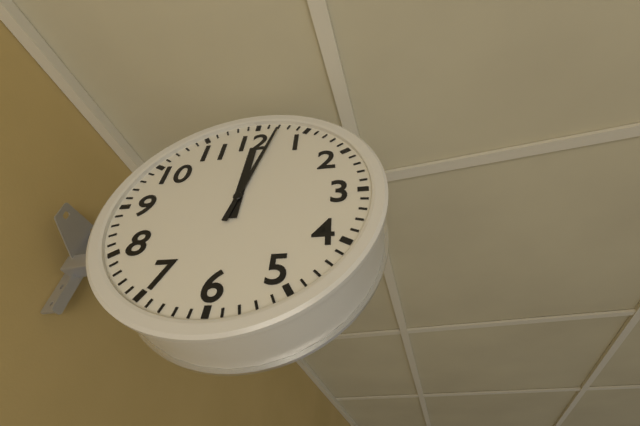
12:02
